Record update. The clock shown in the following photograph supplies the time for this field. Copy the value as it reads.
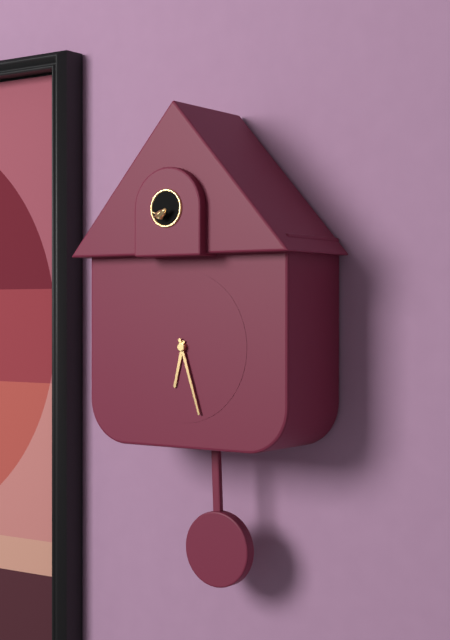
6:27
